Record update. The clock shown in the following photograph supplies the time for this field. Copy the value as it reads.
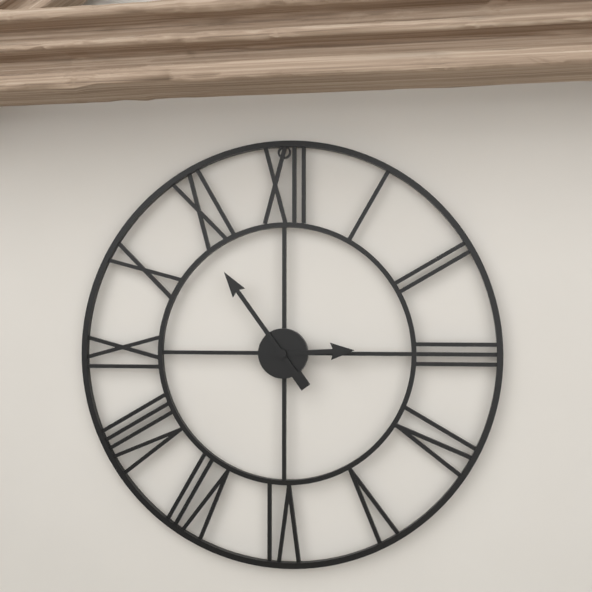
2:54
